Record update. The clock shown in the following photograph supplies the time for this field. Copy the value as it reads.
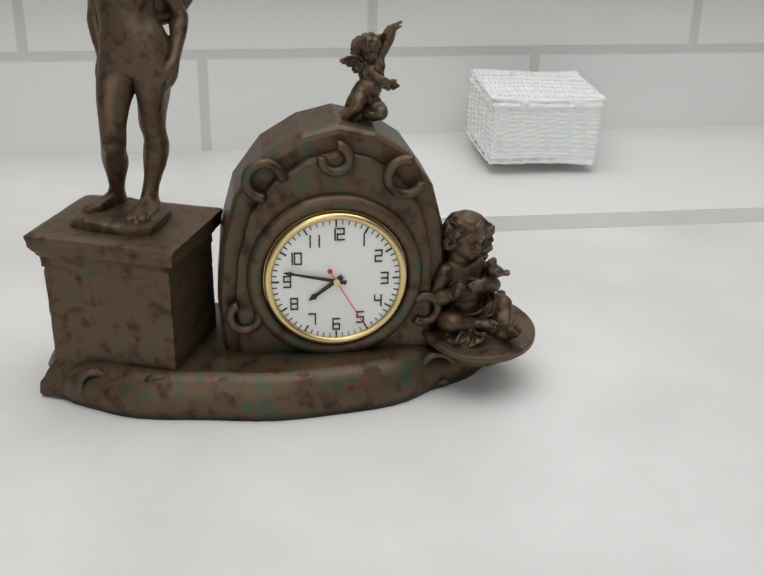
7:47:25
